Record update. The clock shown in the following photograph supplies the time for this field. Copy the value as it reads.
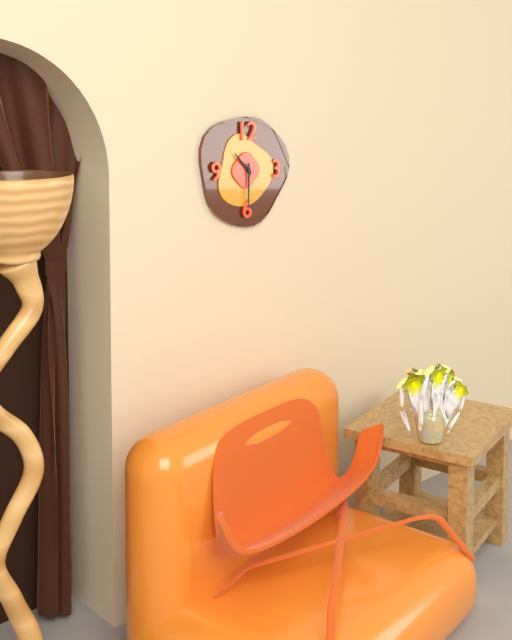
10:30
